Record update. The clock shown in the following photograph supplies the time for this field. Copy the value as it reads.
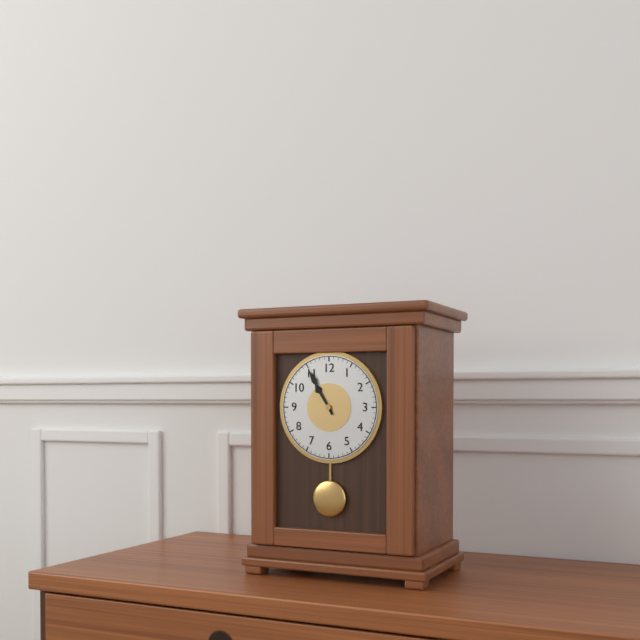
10:55
